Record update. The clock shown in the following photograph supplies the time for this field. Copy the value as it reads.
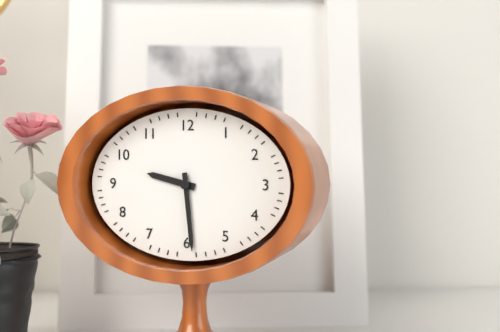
9:29
